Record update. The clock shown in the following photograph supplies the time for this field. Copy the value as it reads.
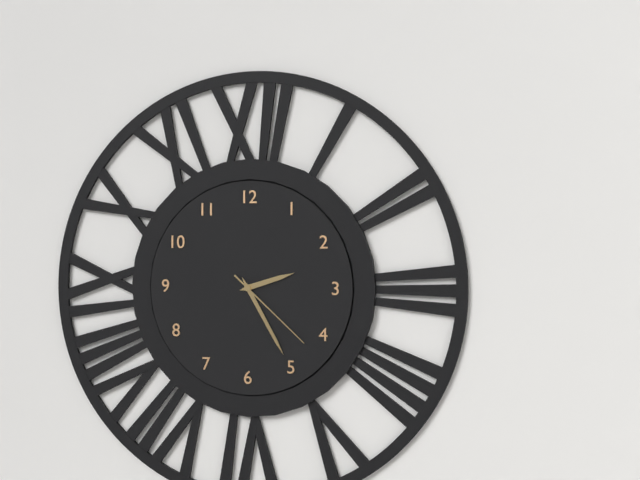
2:25:22
